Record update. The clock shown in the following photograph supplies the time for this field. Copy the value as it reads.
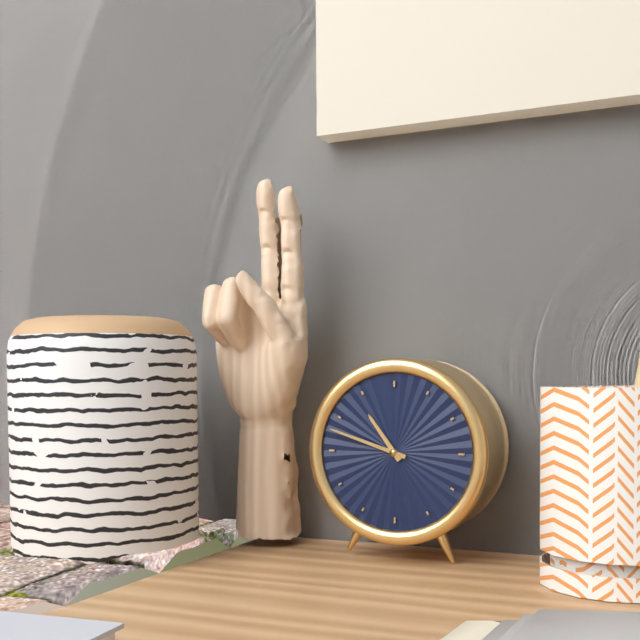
10:48
